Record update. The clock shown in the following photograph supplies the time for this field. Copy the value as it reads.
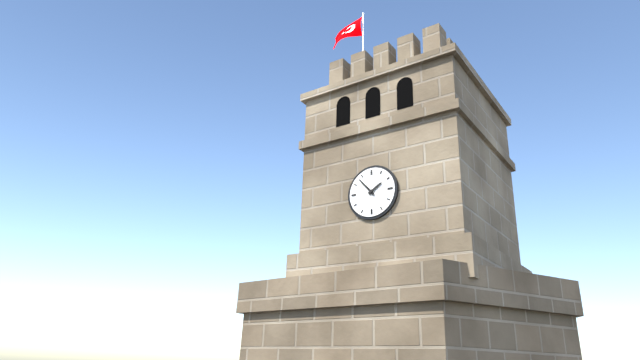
1:53
